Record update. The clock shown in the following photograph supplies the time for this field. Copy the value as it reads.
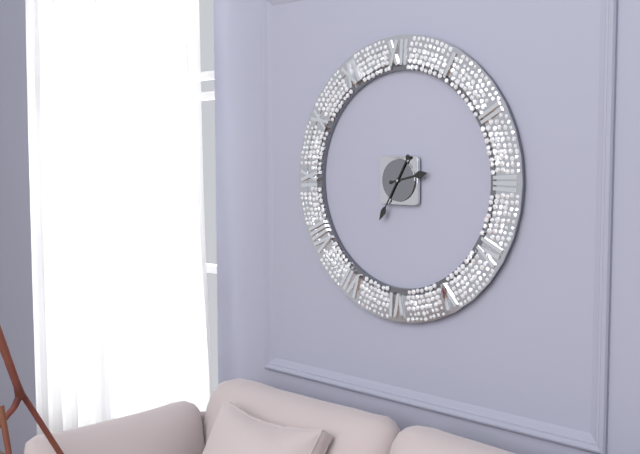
2:35
